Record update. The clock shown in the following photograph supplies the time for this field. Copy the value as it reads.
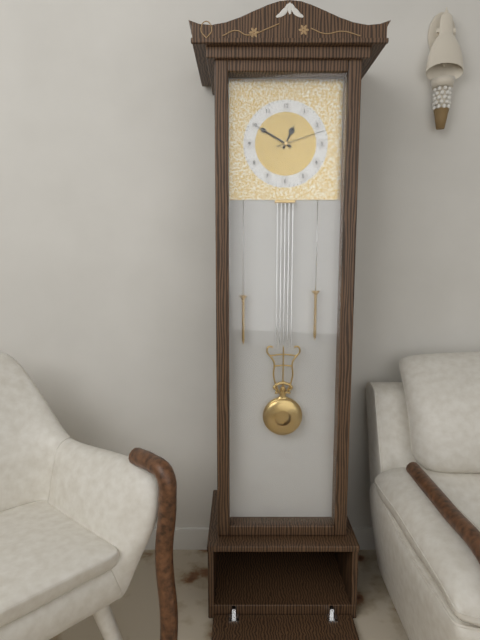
12:50:12
